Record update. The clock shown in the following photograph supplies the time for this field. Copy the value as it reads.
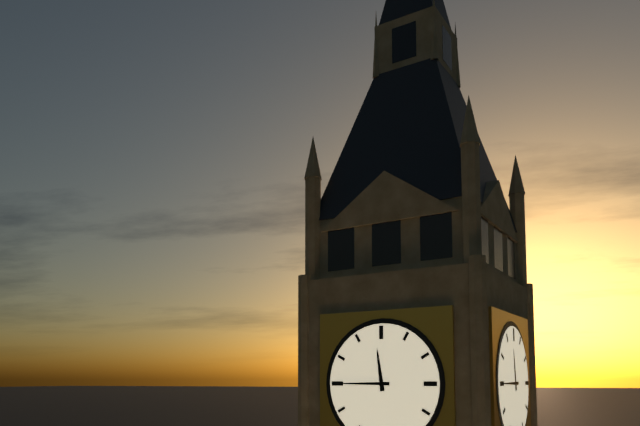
11:45
